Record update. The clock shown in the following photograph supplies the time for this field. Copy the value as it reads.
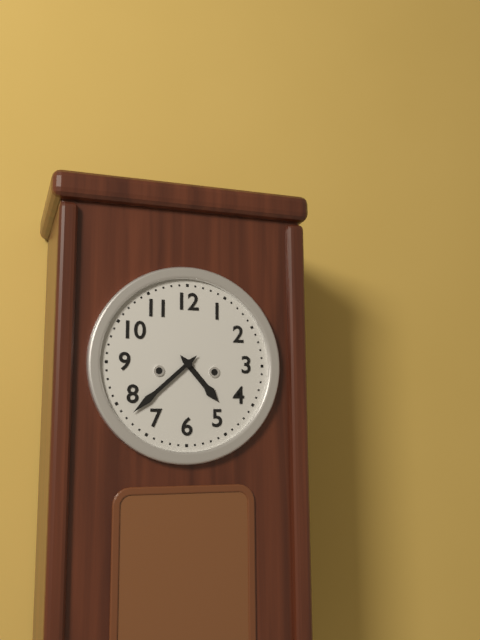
4:38
